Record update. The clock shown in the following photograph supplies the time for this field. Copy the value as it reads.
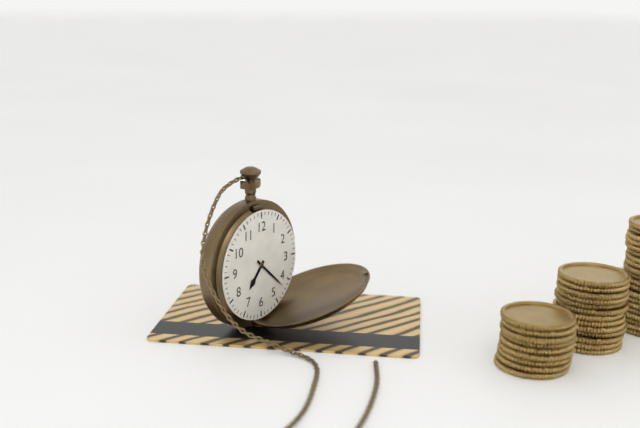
7:22
